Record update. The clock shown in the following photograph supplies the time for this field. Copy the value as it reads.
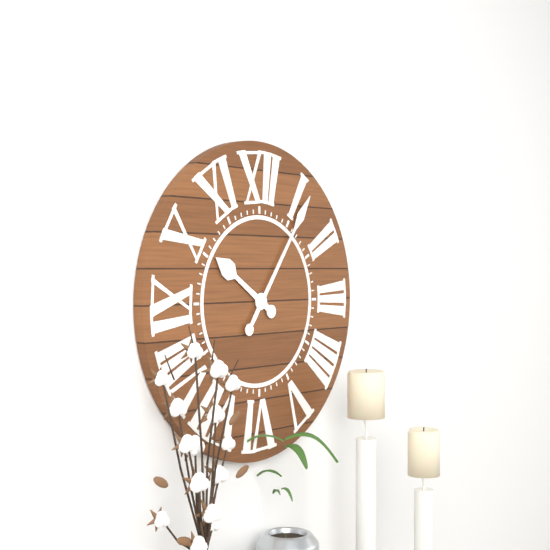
10:06
